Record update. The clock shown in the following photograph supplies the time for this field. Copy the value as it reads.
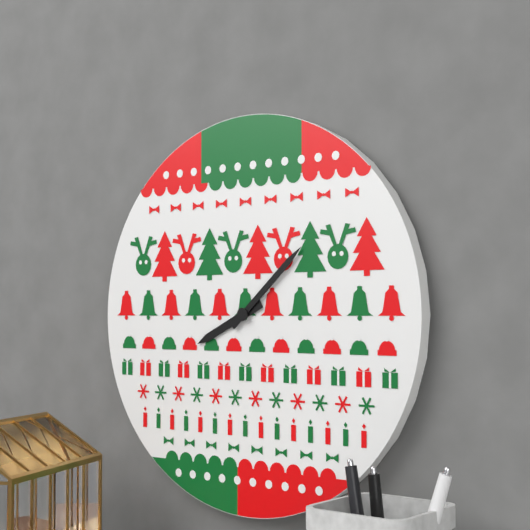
8:08
